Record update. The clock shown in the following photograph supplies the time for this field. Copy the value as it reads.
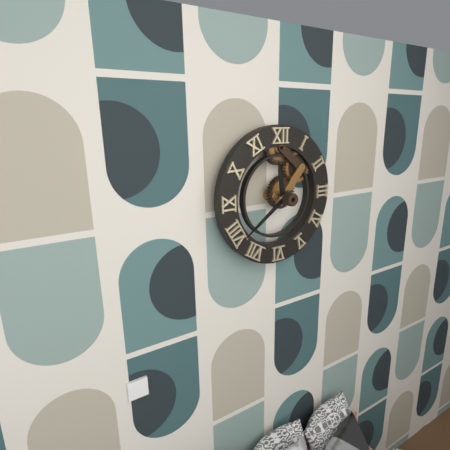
11:39
